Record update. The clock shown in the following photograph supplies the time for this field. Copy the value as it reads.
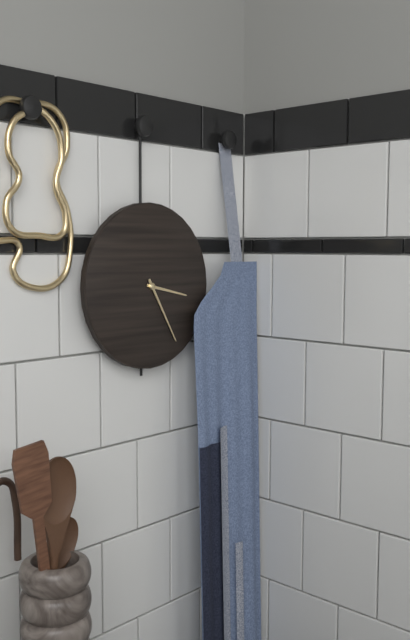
3:25
